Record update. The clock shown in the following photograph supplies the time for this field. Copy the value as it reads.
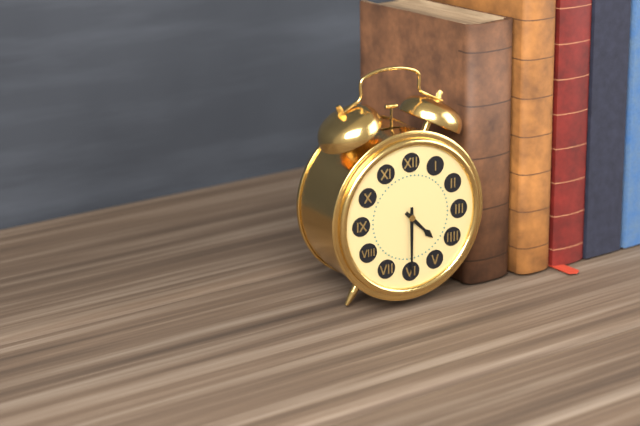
4:30
